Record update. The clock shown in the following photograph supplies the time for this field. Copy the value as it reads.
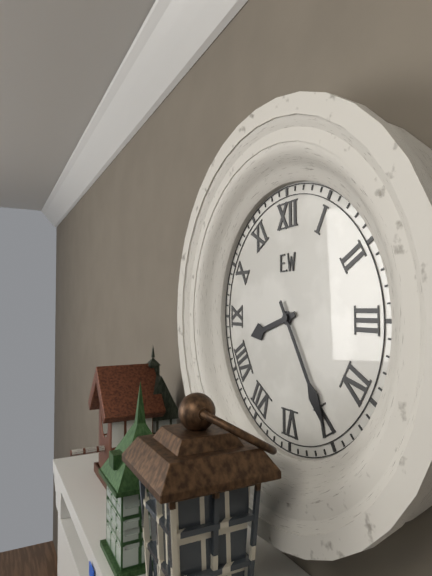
8:25
